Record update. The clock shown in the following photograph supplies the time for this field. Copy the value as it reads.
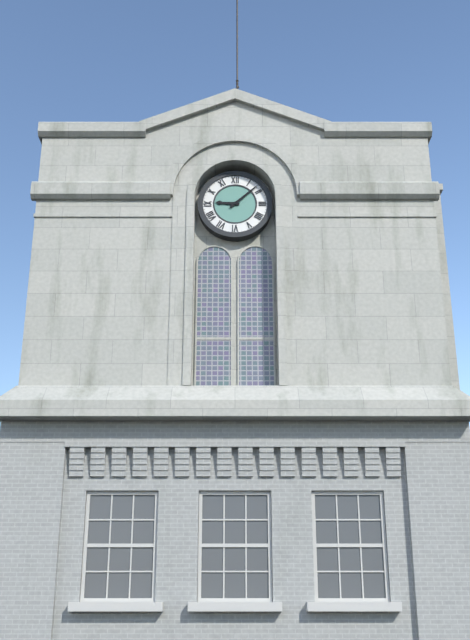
9:08
